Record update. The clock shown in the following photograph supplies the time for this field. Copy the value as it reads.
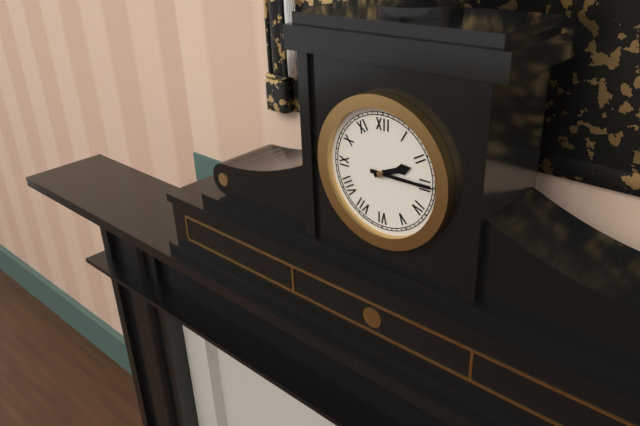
2:15
